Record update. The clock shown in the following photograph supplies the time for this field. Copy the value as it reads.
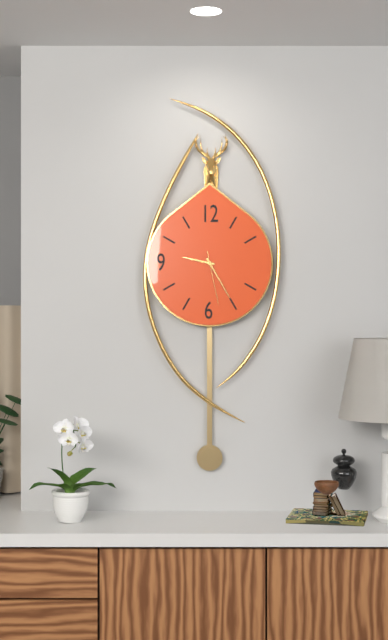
9:25:28
